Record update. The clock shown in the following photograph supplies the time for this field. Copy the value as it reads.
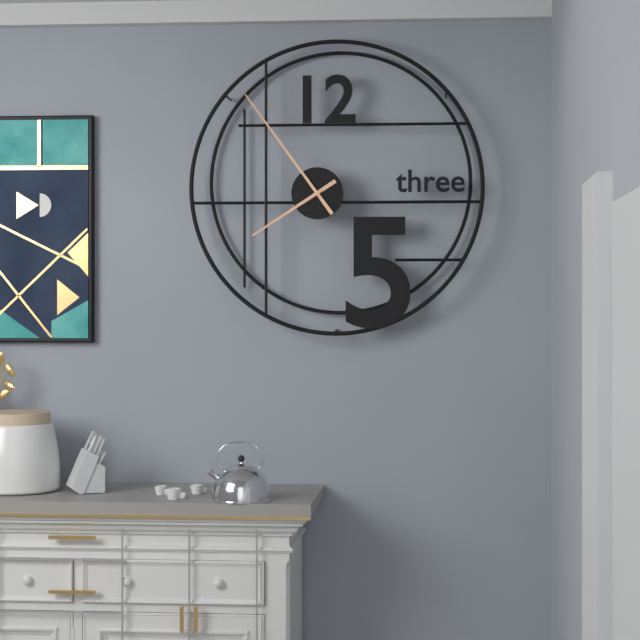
7:54
